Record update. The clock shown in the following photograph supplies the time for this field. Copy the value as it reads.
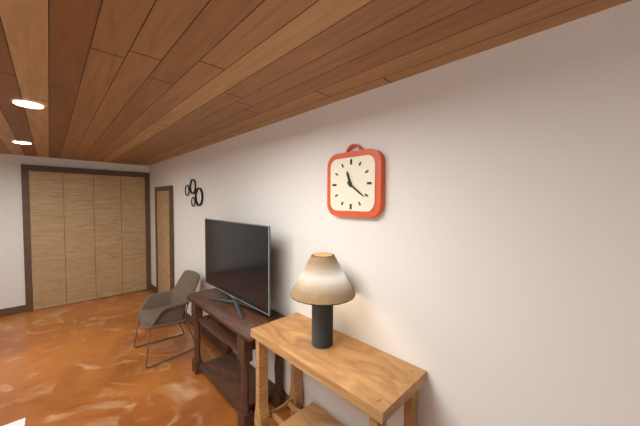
11:21
